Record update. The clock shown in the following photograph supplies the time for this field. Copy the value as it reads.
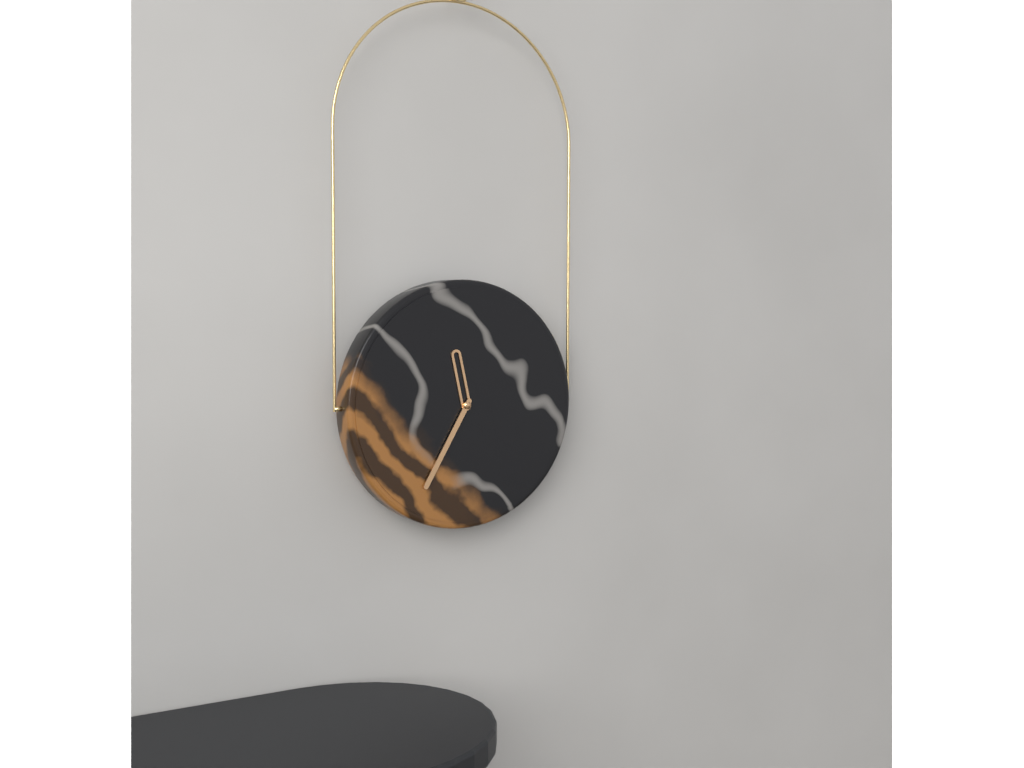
11:35
